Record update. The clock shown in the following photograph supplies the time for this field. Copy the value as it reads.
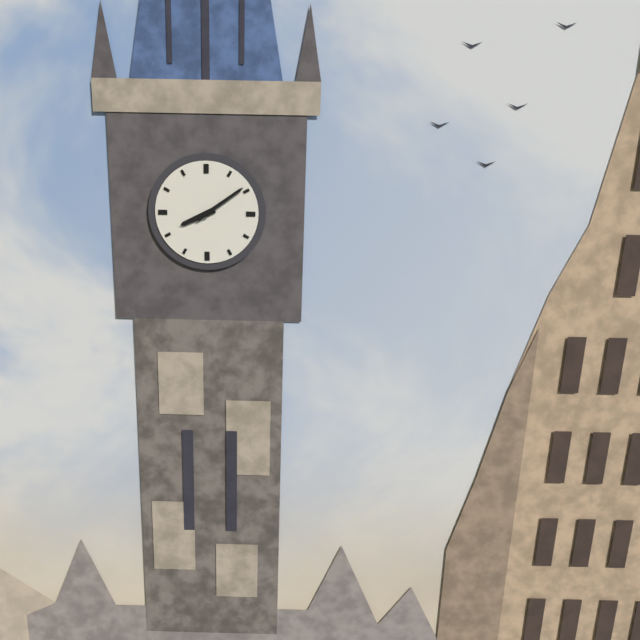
8:09
